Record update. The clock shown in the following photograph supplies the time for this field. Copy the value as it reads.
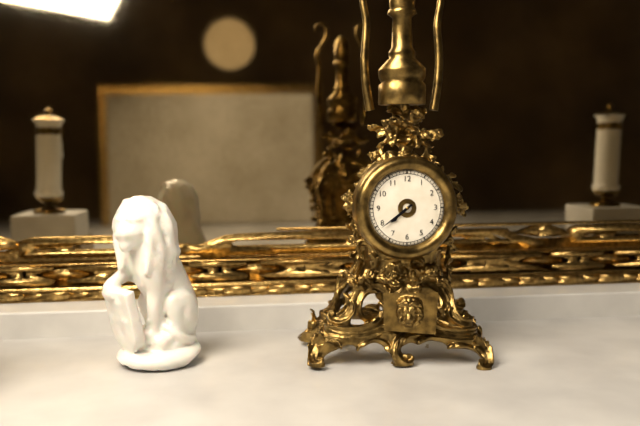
7:39
